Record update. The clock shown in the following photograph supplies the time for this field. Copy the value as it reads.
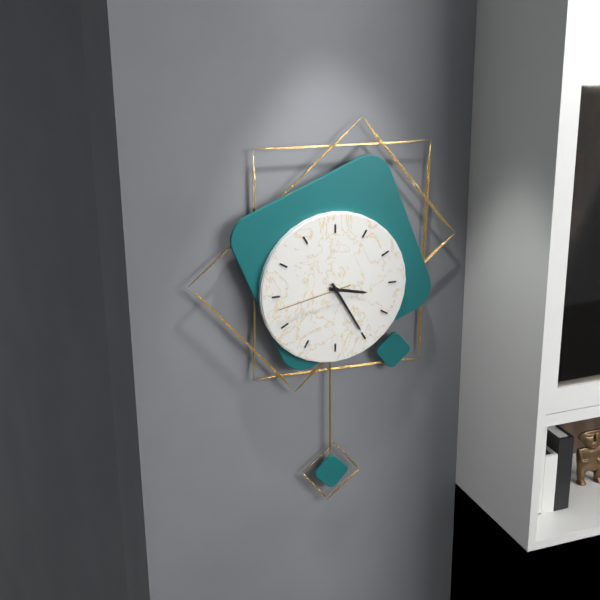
3:25:43
